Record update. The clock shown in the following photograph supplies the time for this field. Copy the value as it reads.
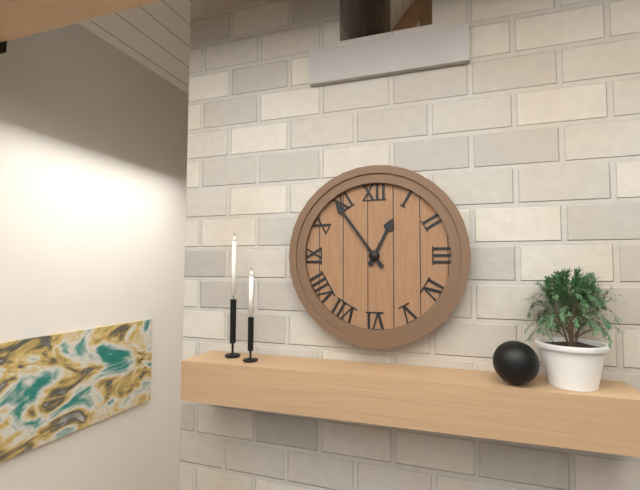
12:54
